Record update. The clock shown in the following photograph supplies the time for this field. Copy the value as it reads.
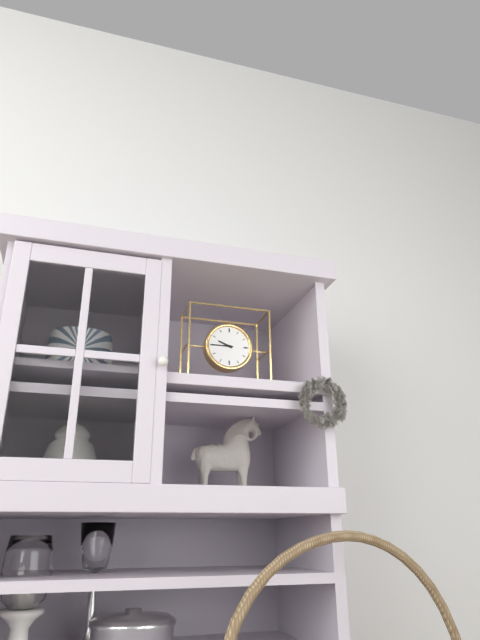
9:45
